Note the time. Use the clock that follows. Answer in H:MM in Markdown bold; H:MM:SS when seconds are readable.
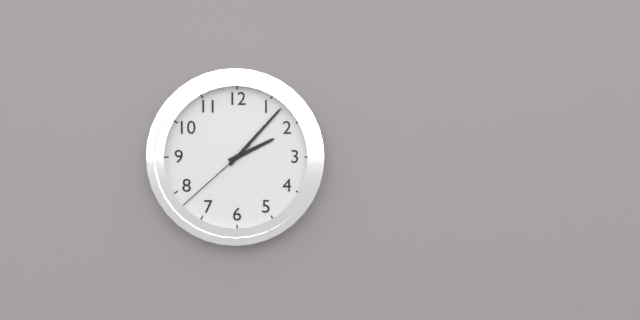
**2:07:38**
